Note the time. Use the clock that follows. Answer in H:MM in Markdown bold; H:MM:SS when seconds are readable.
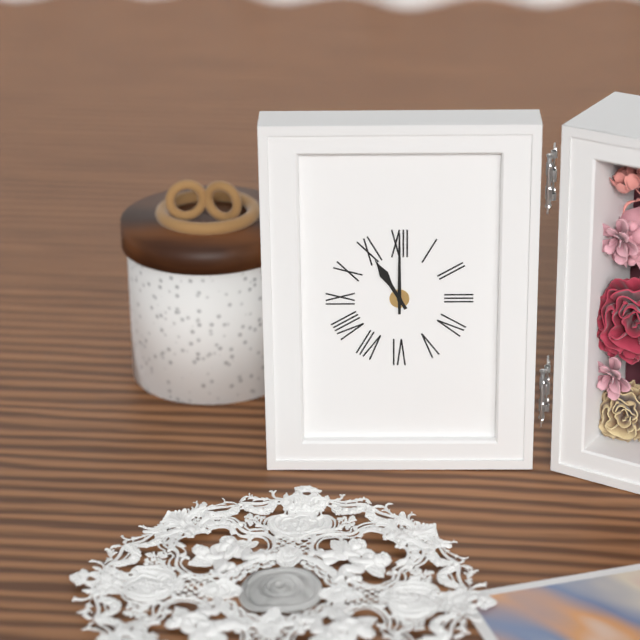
**11:00**
